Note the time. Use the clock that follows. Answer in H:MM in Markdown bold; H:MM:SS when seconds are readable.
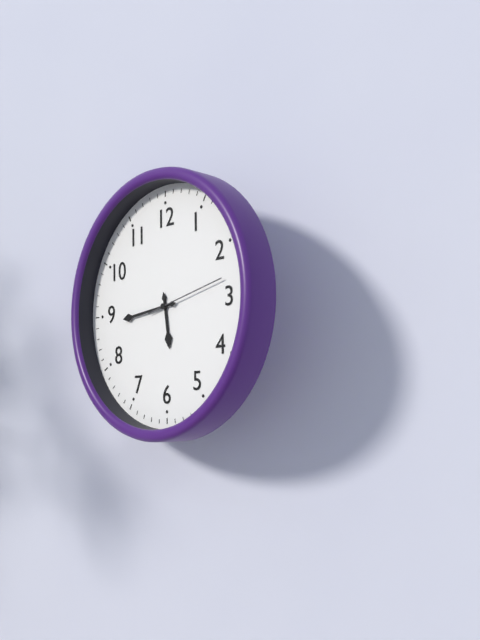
**5:44:13**
